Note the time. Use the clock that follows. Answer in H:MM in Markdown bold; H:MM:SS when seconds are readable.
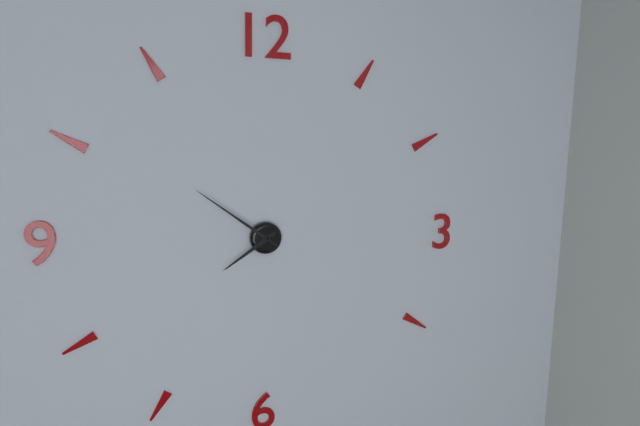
**7:51**
